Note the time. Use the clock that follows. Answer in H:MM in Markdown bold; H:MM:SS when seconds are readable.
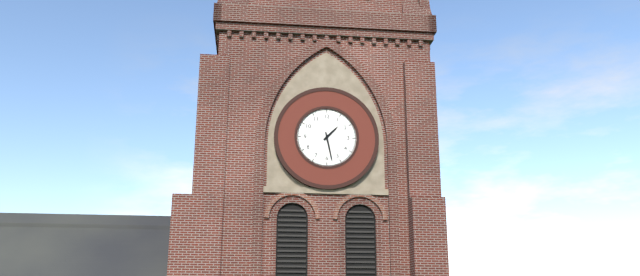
**1:28**
